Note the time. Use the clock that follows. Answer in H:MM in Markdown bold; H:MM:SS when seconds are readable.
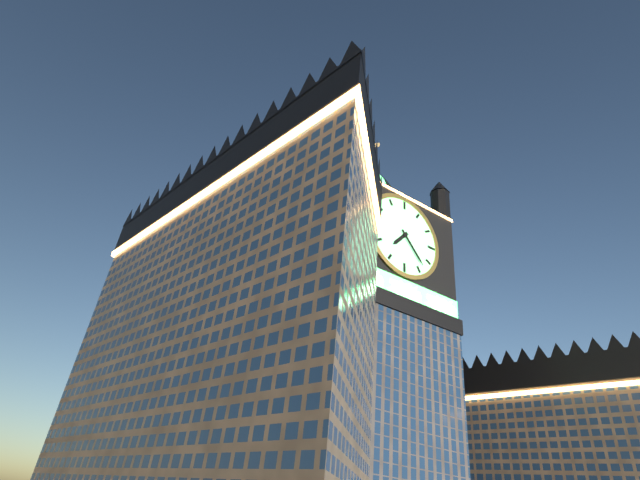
**7:23**
